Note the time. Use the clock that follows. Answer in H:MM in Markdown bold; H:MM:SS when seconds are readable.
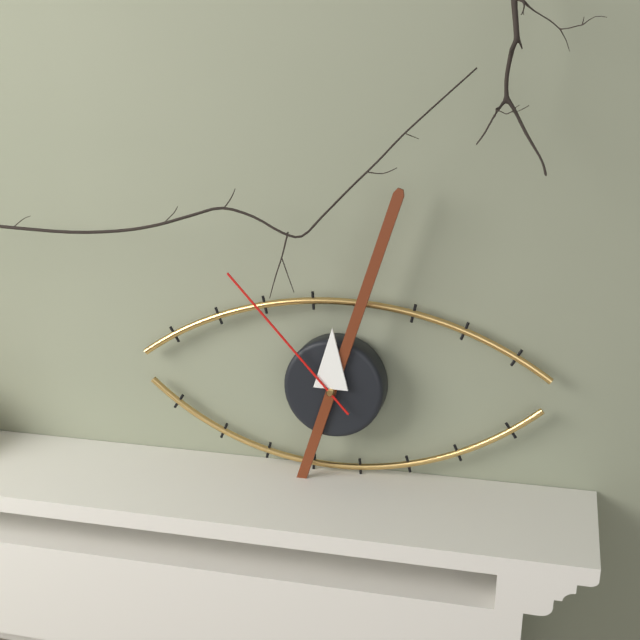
**12:03:53**
